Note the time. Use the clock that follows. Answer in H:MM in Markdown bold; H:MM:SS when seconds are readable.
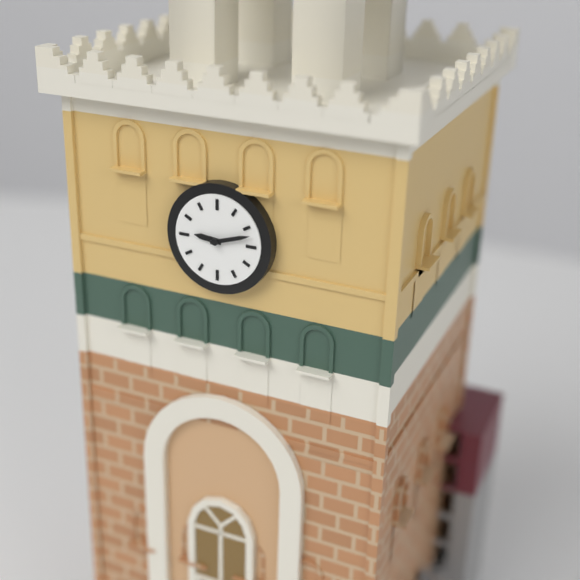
**9:12**
